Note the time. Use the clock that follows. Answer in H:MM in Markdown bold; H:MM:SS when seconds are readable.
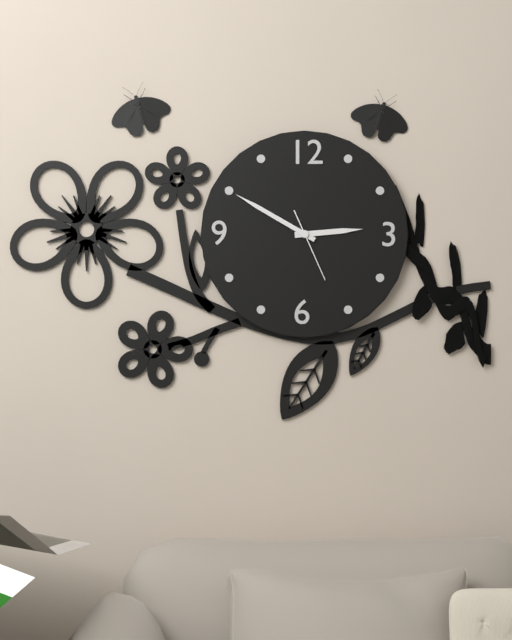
**2:50:26**
